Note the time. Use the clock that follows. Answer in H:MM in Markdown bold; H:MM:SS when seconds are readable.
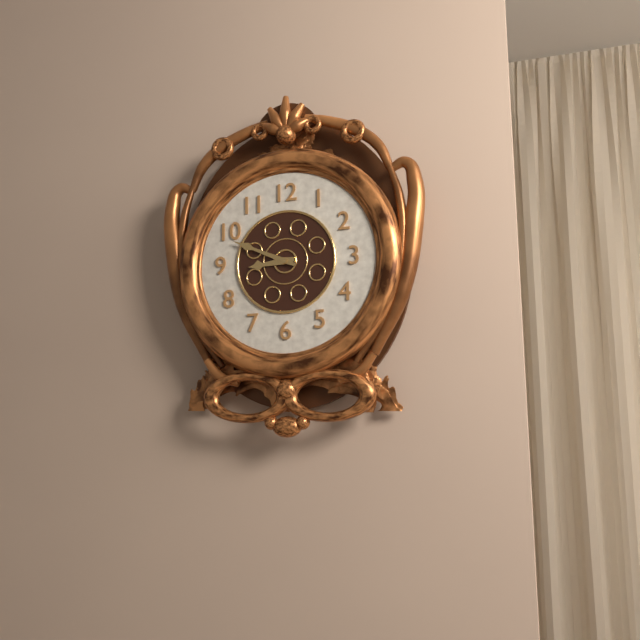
**8:49**
